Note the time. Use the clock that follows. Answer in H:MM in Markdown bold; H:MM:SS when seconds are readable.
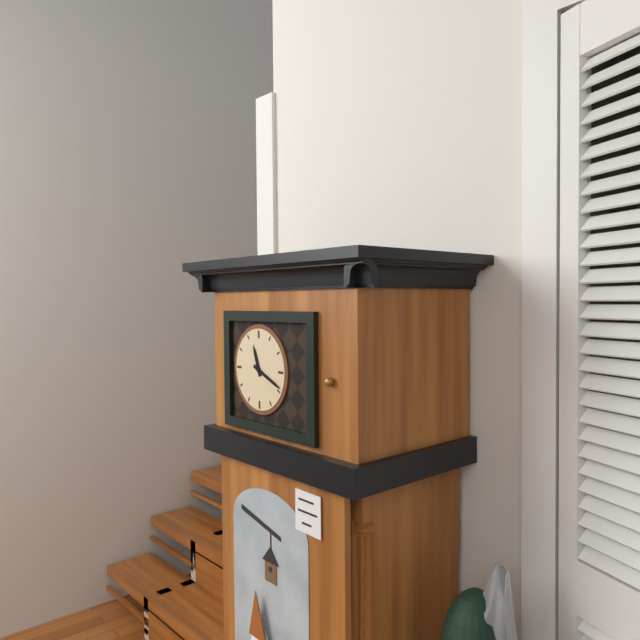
**11:19**
